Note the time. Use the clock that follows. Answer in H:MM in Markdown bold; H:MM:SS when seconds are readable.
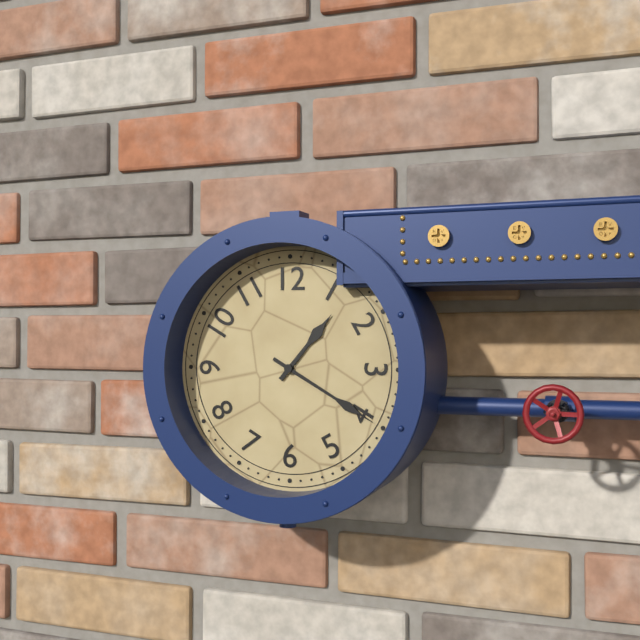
**1:20**
